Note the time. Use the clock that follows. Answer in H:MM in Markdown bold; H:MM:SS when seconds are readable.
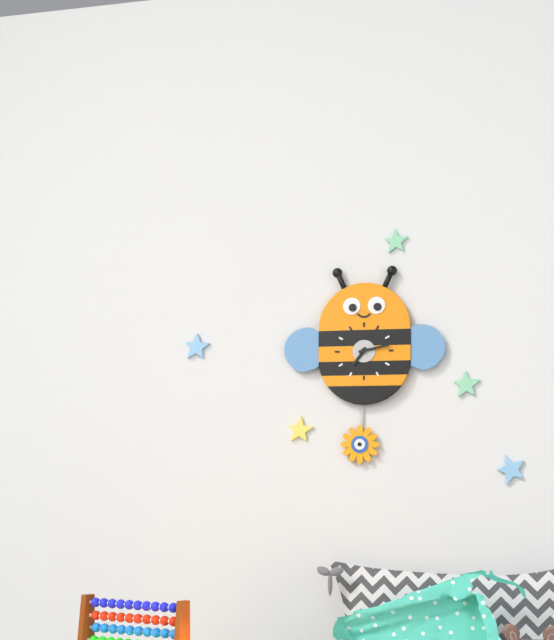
**7:13**
